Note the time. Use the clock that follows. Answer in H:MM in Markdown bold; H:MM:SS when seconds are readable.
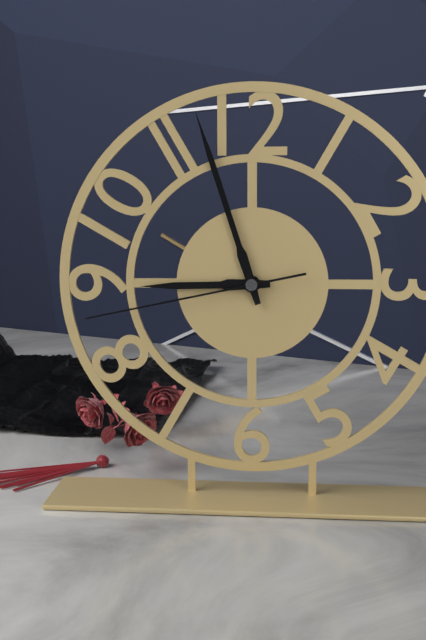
**8:57:43**
